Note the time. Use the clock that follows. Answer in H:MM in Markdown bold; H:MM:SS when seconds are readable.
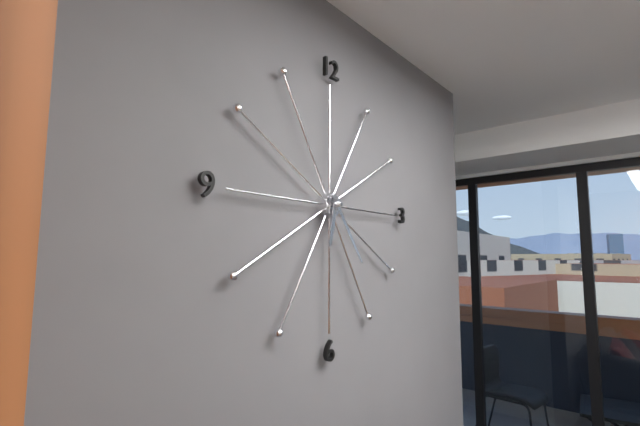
**6:24**
